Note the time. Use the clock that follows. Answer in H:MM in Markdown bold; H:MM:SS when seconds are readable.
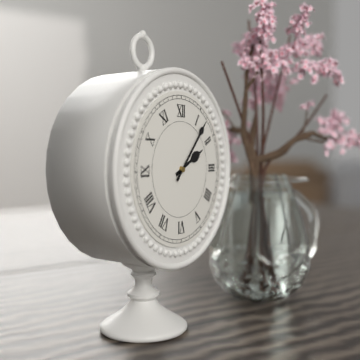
**2:07**
